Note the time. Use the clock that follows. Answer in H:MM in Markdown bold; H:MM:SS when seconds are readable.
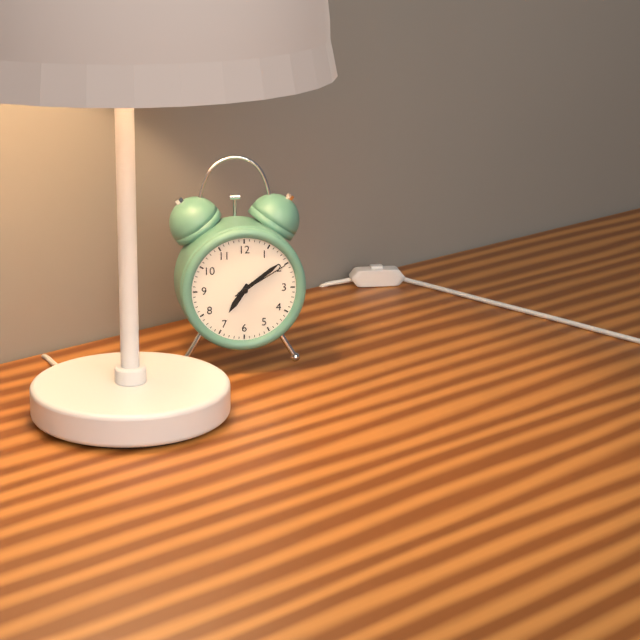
**7:09:10**
